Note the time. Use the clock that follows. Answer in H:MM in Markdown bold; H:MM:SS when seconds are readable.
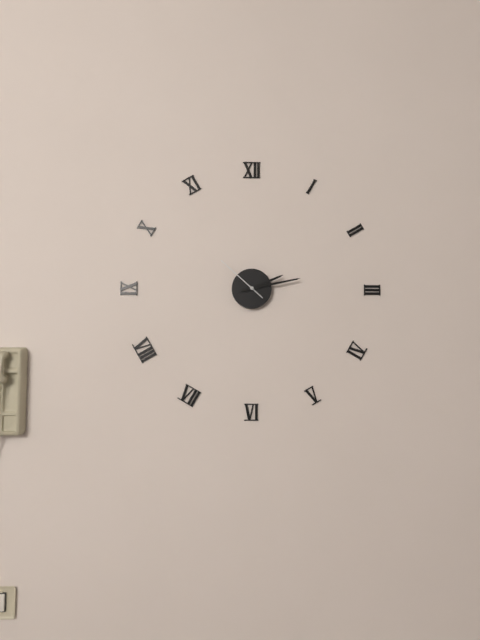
**2:13:52**
